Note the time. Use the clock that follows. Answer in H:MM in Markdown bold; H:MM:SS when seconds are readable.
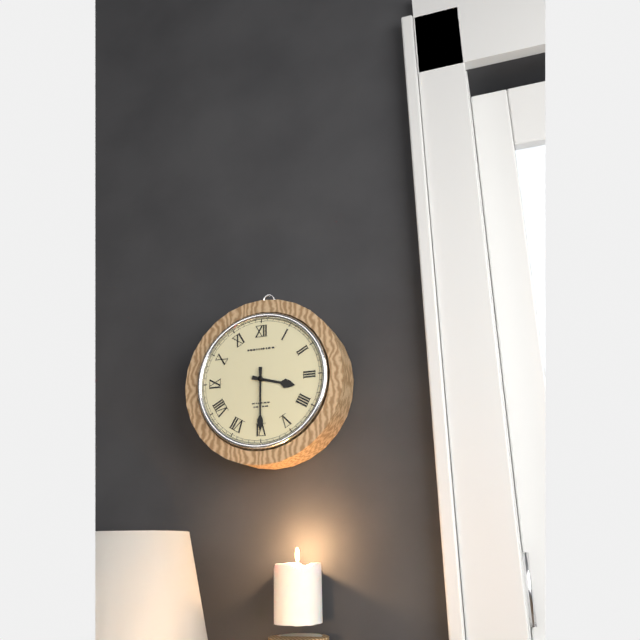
**3:30**
